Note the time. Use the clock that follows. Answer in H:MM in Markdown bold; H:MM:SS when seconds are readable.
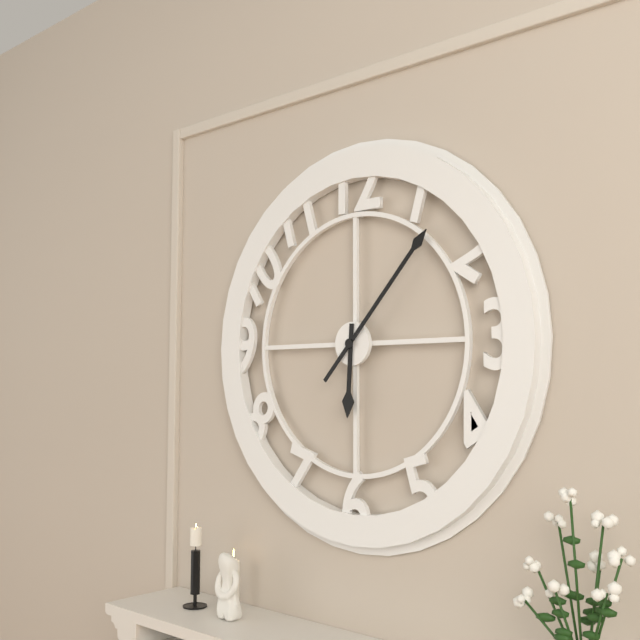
**6:07**
